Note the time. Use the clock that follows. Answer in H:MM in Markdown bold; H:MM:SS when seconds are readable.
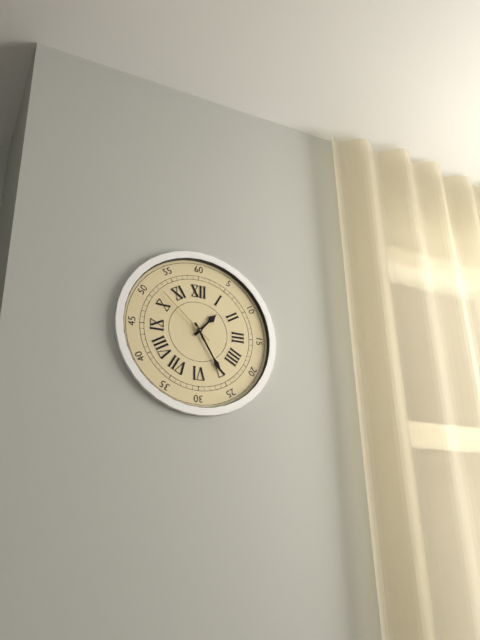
**1:25:52**
